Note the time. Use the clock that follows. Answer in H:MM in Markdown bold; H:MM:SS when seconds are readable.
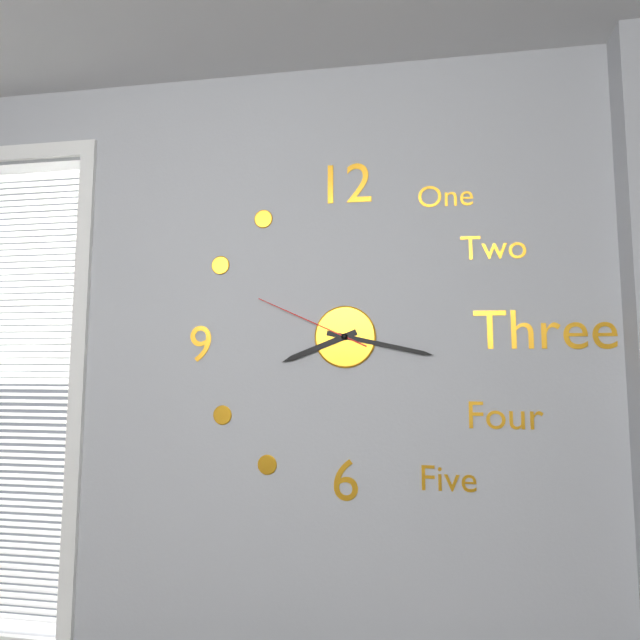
**8:17:49**
